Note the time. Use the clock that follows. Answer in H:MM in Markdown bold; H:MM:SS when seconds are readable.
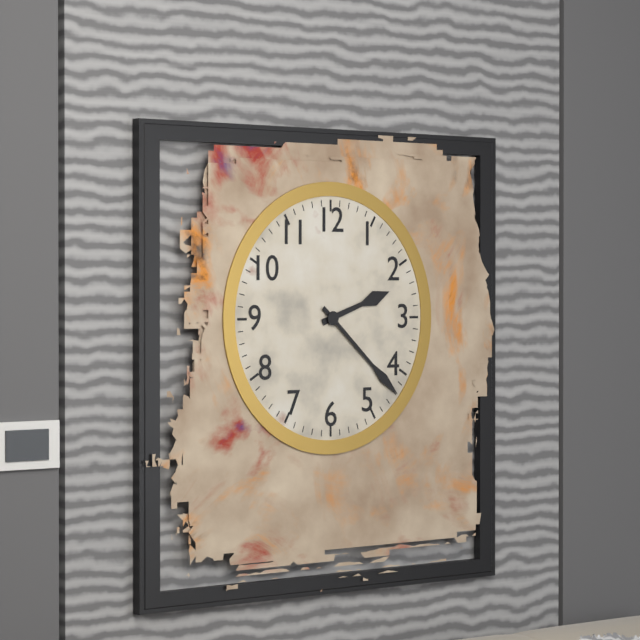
**2:22**
